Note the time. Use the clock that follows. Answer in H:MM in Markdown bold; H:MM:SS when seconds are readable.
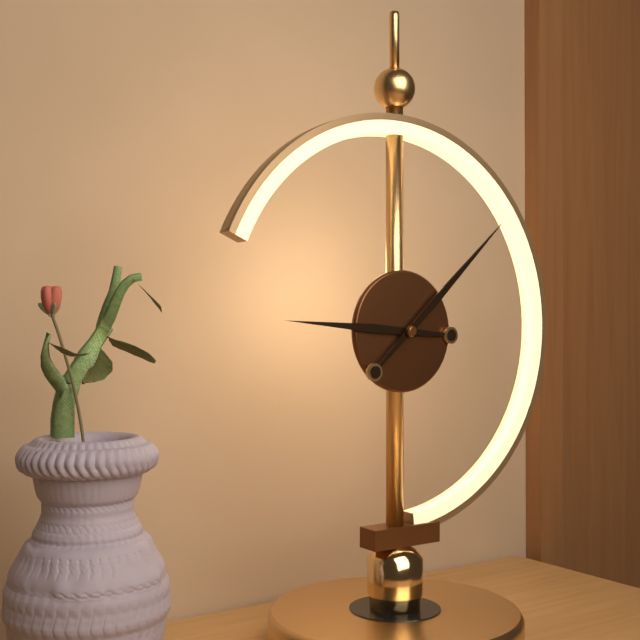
**9:08**
